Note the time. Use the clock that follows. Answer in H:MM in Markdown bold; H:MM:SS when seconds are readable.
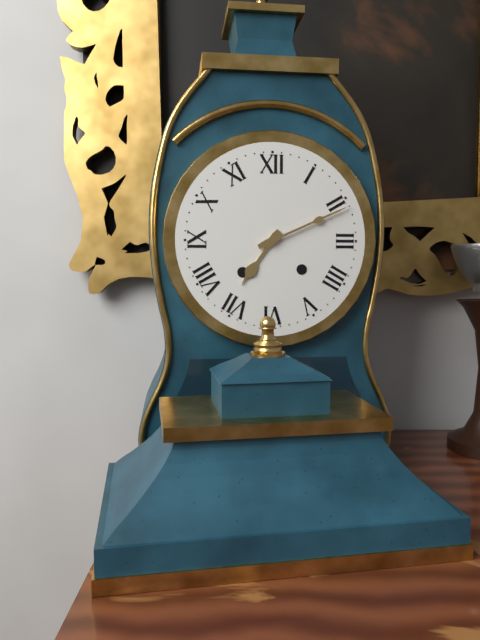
**7:11**
